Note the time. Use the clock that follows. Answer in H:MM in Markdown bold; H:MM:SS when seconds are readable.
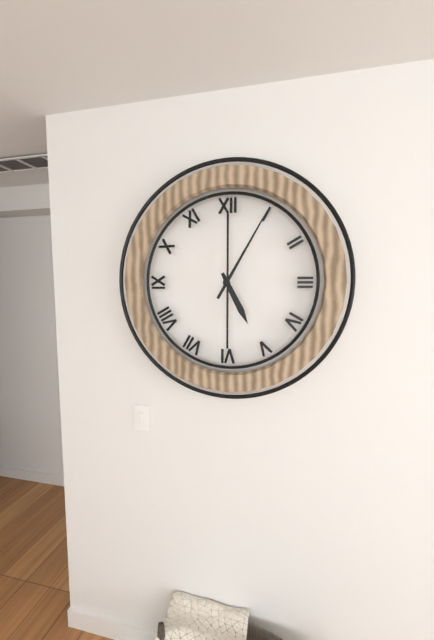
**5:05**
